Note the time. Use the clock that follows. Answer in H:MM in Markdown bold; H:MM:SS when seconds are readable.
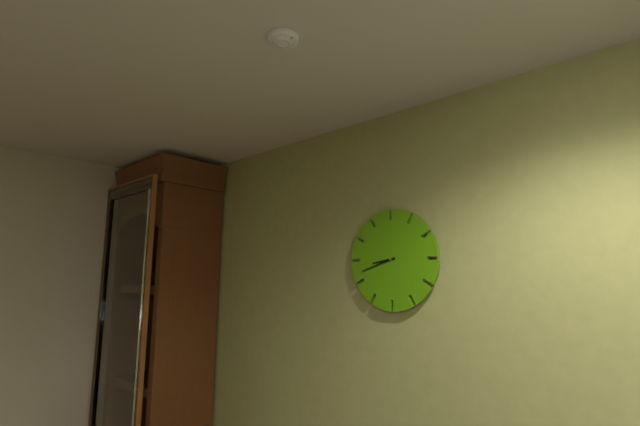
**8:42**
